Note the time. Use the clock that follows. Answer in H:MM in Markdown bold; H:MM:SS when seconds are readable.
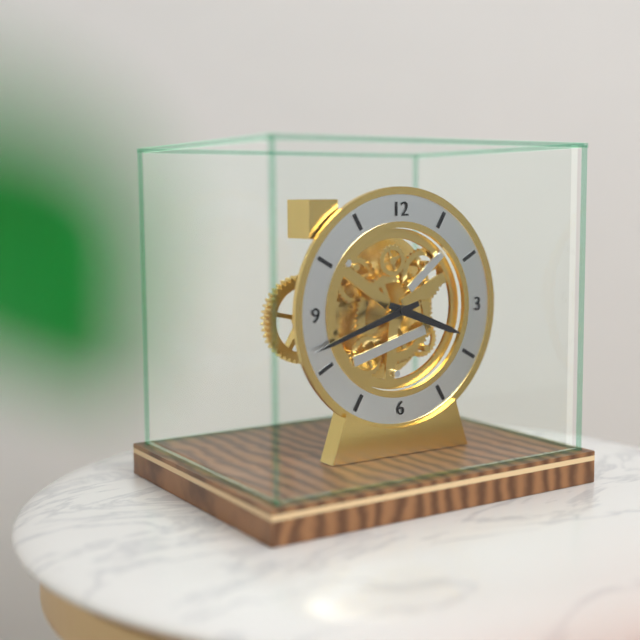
**3:42**
